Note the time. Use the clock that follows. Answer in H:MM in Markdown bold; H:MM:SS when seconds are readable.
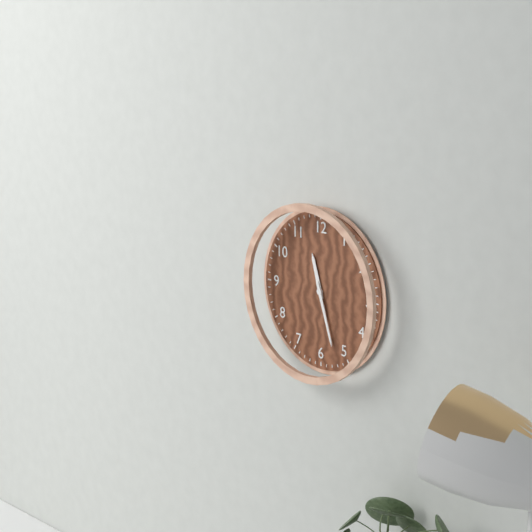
**11:27**
